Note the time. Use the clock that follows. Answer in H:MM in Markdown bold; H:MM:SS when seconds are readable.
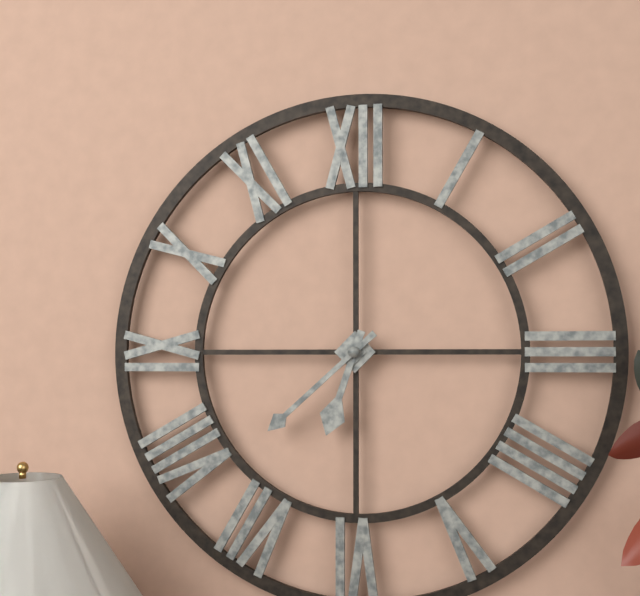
**6:38**
